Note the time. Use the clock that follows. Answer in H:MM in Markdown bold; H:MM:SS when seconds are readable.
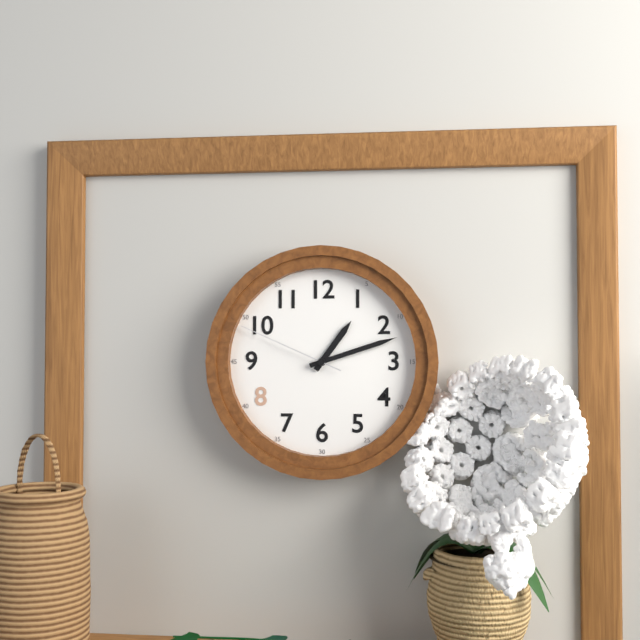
**1:12:49**
